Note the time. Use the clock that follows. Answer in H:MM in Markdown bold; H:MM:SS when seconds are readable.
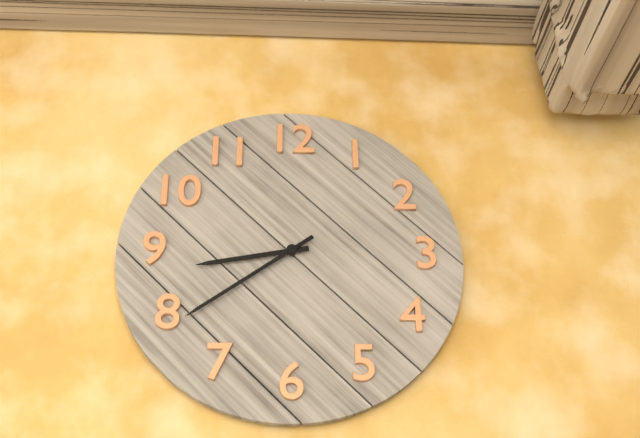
**8:39**
